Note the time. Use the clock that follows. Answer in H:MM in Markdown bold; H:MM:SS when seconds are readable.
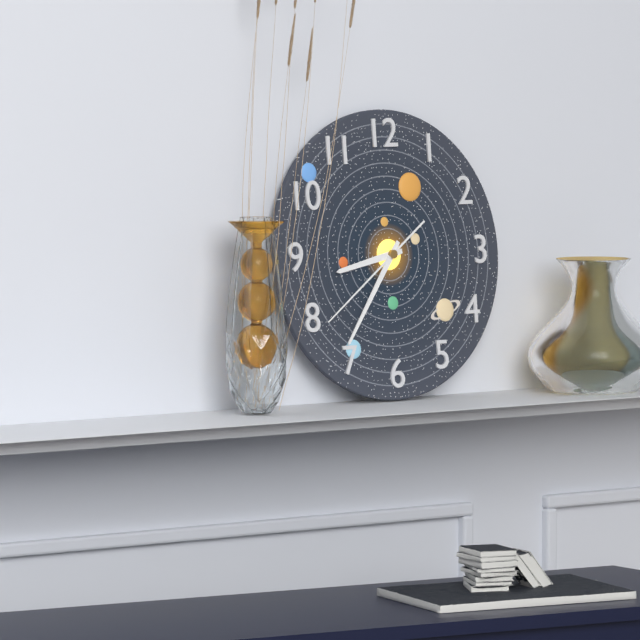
**8:36:39**
